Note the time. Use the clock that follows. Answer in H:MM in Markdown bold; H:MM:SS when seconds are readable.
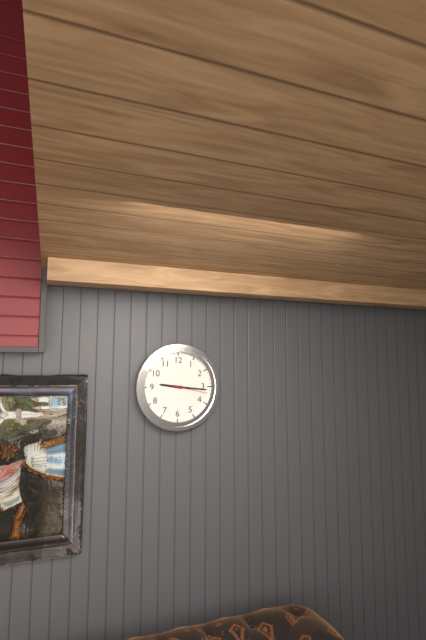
**9:16**
